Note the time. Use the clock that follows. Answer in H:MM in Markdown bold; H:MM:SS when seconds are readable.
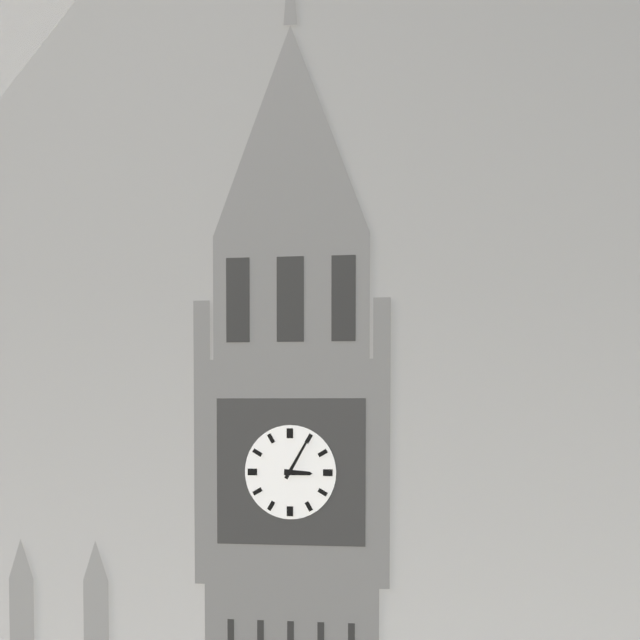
**3:05**
